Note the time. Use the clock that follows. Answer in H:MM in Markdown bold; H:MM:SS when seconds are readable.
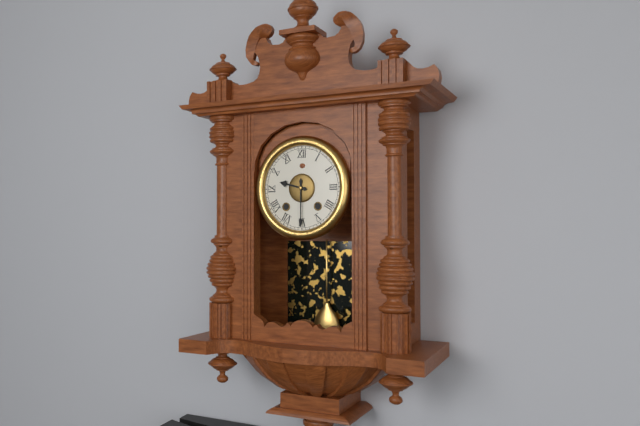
**9:30**
